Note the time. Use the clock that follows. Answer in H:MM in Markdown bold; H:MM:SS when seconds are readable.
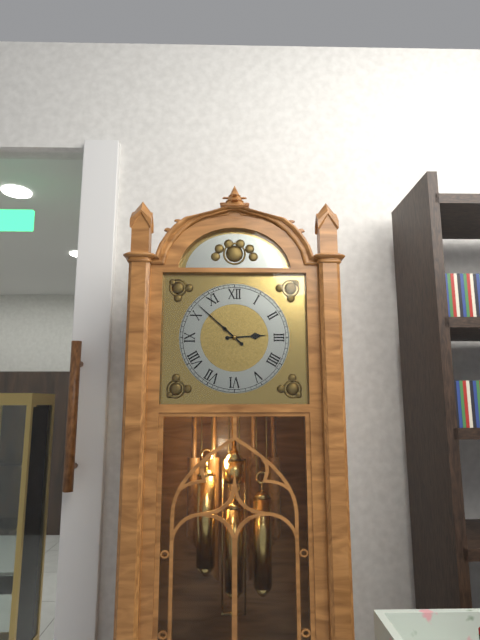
**2:52**
